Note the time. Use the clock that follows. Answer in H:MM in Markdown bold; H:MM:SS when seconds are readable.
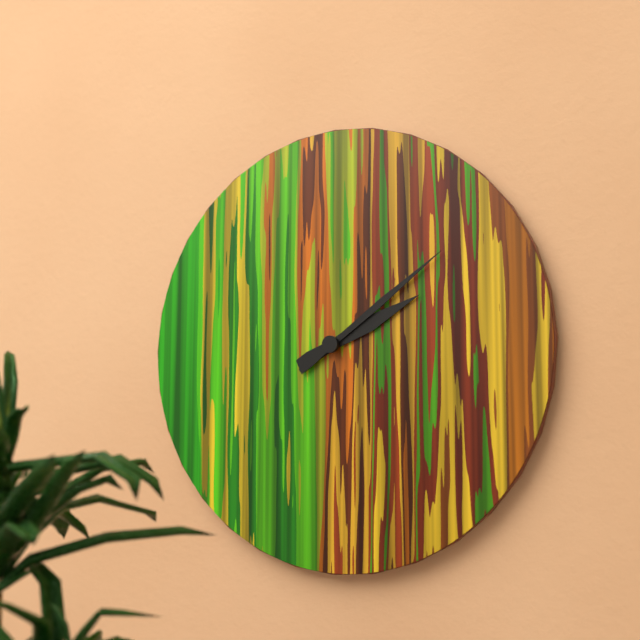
**2:09**
